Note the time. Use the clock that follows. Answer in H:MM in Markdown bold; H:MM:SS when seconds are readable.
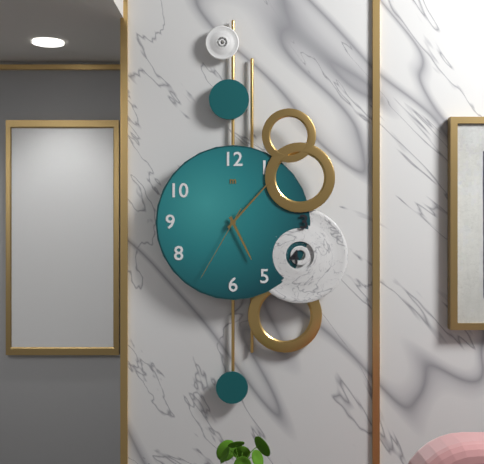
**5:07:35**
